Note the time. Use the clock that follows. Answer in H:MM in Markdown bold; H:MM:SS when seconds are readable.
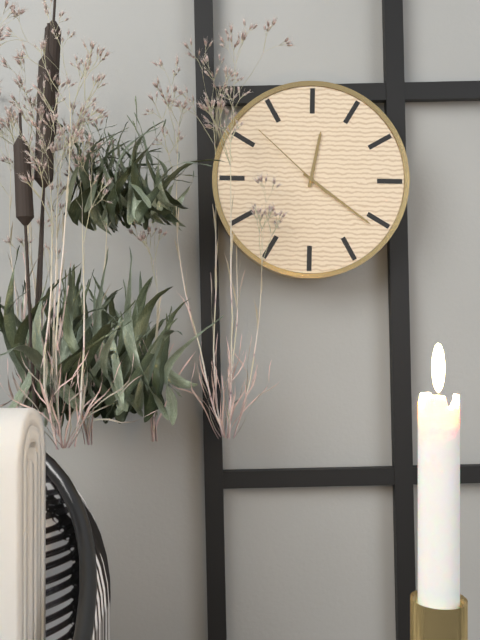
**12:21:52**
